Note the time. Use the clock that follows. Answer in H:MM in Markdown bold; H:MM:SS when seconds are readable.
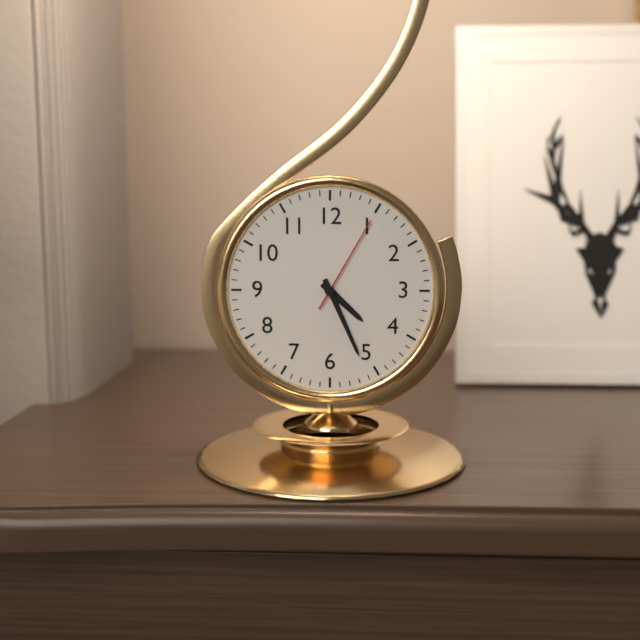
**4:26:05**
